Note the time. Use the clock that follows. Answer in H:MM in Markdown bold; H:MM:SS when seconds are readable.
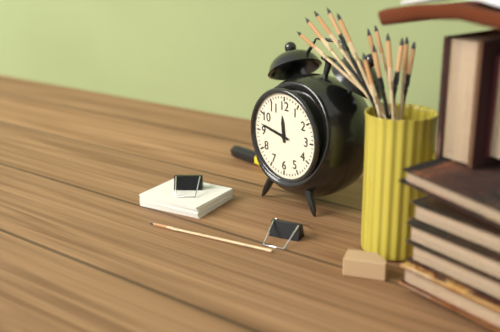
**11:47**
